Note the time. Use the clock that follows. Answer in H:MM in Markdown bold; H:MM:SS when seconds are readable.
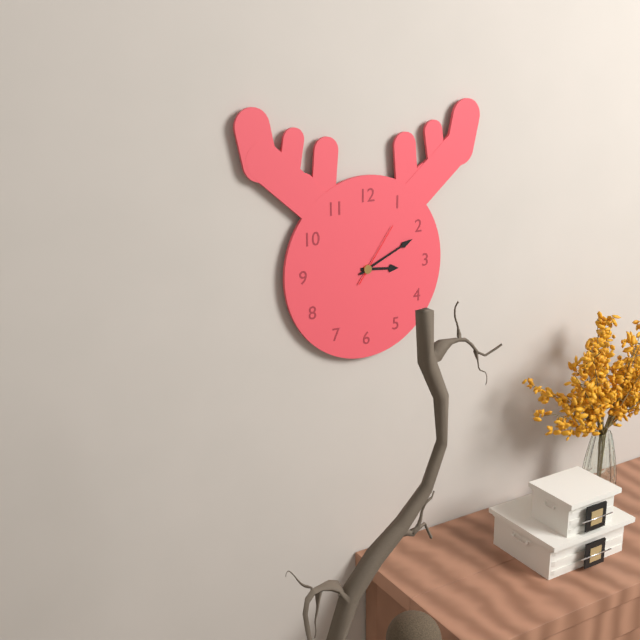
**3:11:06**
